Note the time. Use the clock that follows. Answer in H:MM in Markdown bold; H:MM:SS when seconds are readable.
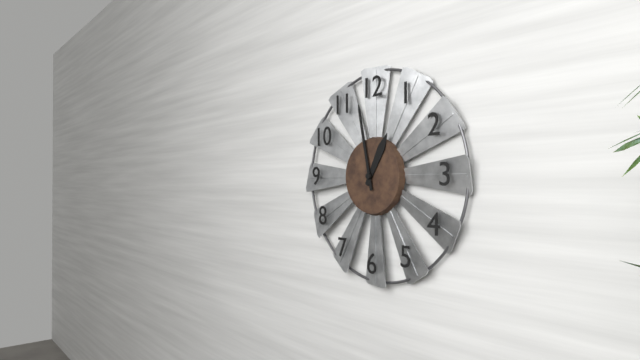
**12:58**
